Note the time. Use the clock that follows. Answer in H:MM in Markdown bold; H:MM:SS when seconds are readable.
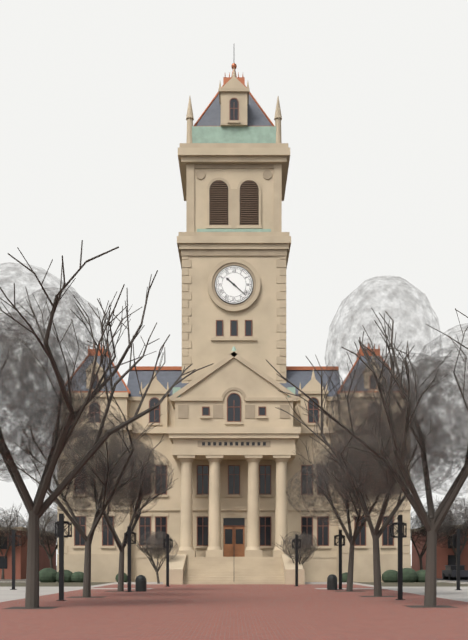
**10:22**
